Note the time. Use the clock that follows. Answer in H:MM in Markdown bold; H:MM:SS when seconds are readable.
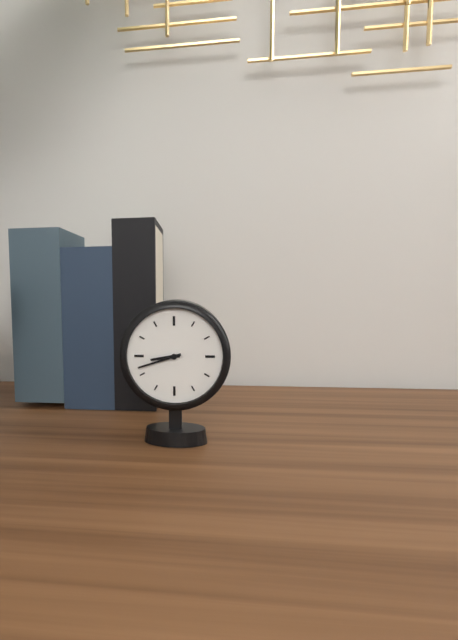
**8:42**
